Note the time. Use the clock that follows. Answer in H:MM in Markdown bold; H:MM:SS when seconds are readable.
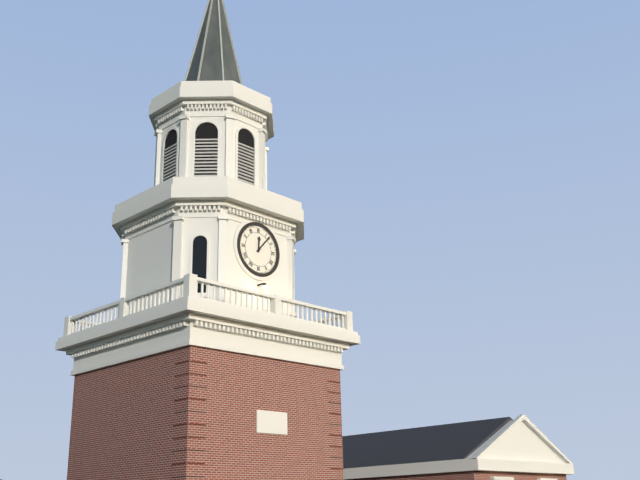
**12:07**
